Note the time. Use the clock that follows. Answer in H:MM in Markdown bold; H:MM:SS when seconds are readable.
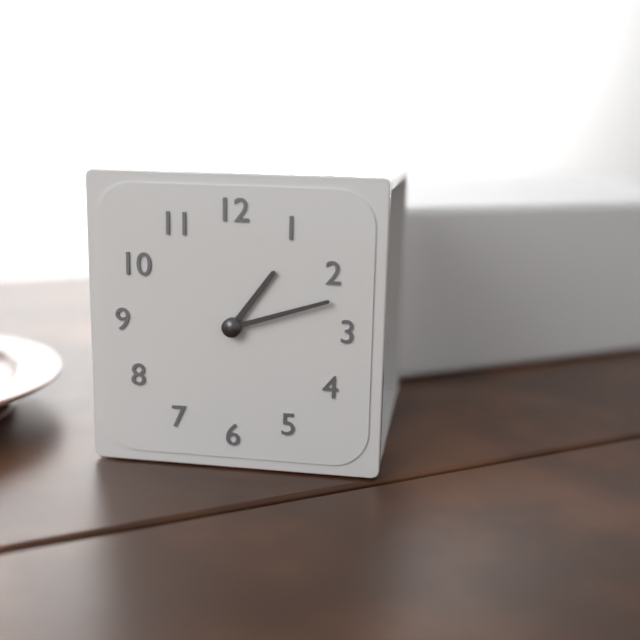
**1:12**
